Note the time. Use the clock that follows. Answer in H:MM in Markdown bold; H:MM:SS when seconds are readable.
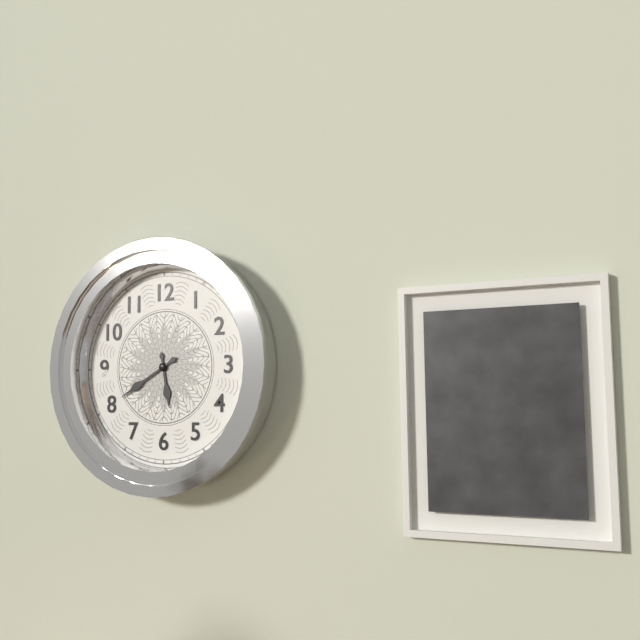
**5:40**
